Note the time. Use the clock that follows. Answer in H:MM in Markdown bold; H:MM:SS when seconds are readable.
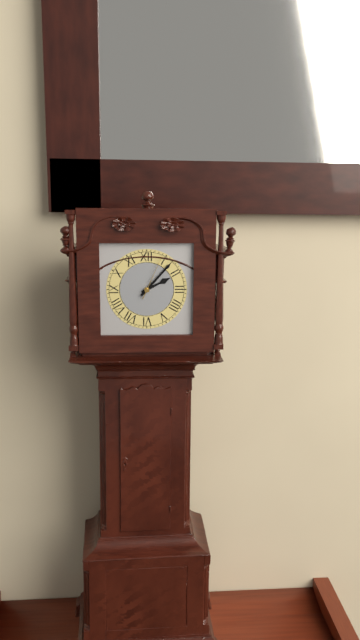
**2:07**
